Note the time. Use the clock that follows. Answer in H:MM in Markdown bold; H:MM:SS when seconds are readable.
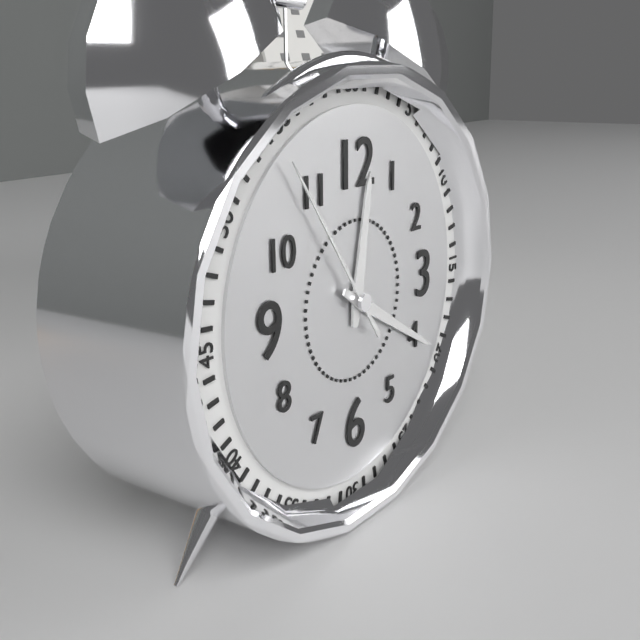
**12:20:54**
